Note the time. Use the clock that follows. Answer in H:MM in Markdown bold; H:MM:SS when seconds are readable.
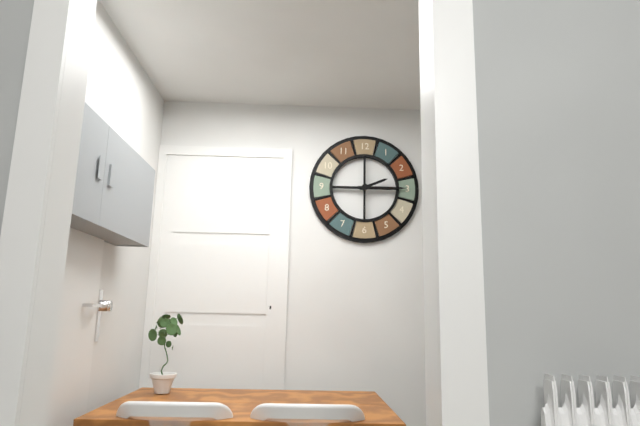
**2:15**
